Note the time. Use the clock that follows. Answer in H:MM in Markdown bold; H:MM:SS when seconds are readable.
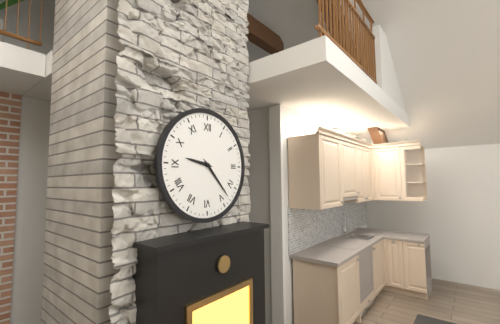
**9:23**
